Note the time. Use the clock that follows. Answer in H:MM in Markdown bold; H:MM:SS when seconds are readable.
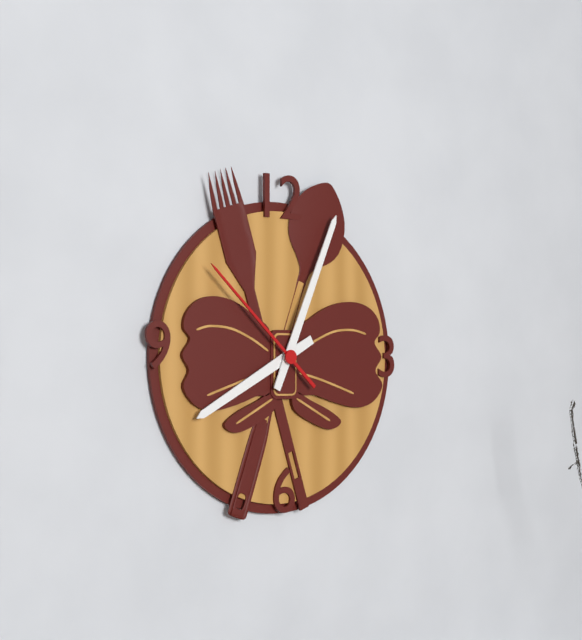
**8:04:52**
